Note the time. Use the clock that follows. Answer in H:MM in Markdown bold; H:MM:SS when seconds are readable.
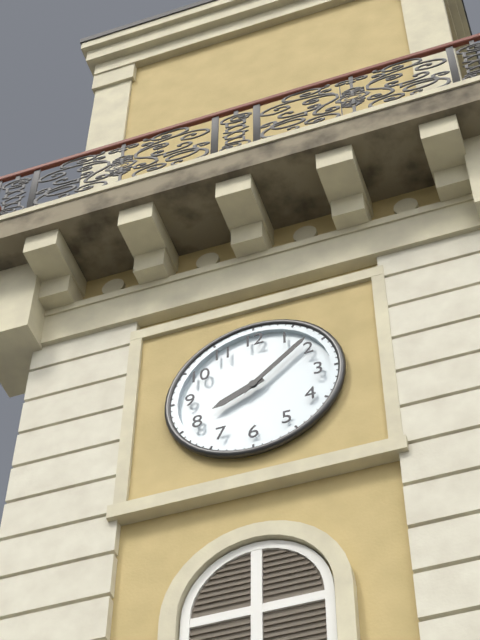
**8:08**
